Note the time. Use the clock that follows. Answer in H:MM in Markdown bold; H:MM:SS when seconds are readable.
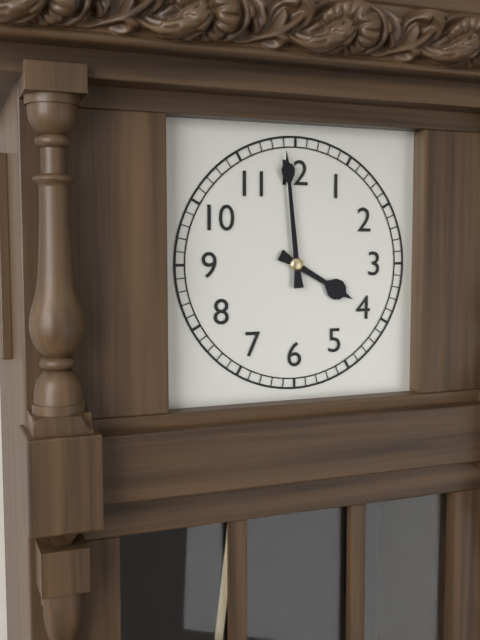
**3:59**
